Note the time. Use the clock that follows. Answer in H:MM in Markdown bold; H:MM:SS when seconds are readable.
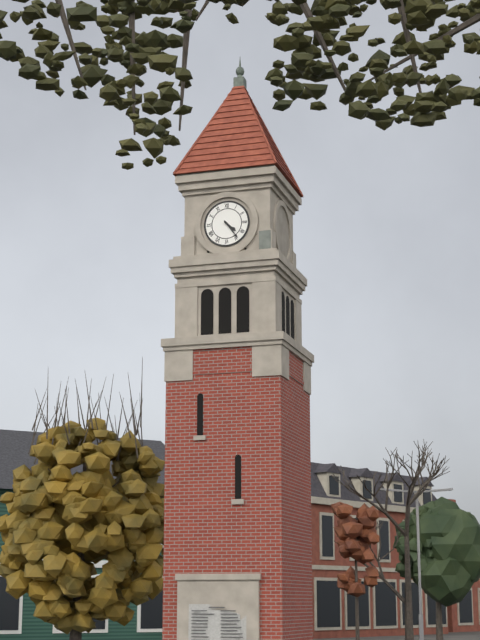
**4:24**
